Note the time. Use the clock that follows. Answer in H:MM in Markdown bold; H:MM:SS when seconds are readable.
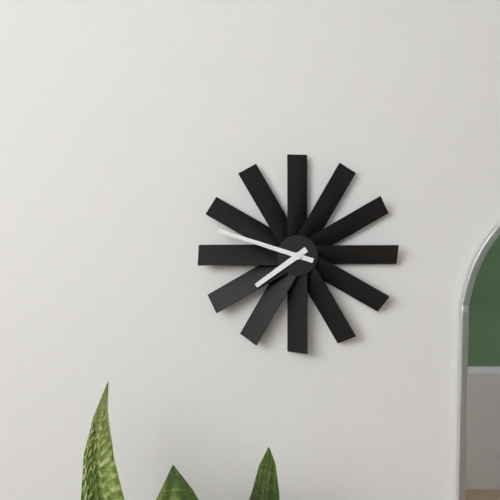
**7:48**
